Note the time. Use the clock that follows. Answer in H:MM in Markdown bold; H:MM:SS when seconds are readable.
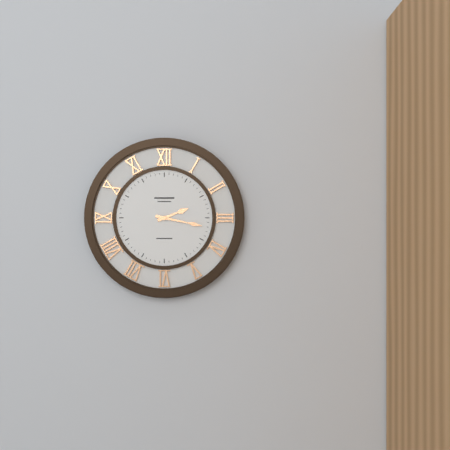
**2:17**
